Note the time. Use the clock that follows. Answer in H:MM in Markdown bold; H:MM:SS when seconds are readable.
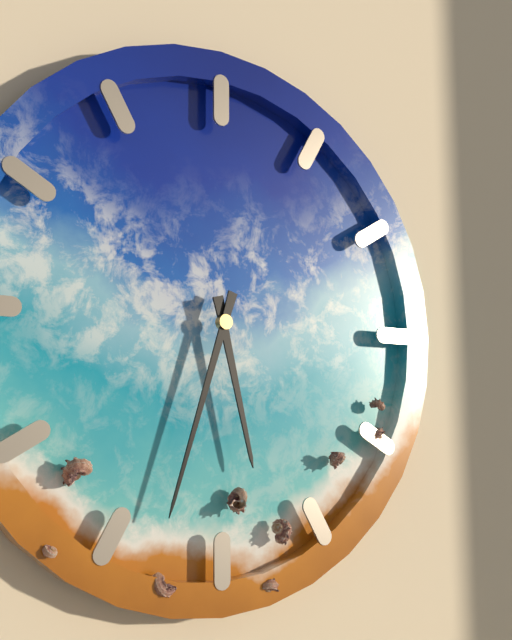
**5:33**
